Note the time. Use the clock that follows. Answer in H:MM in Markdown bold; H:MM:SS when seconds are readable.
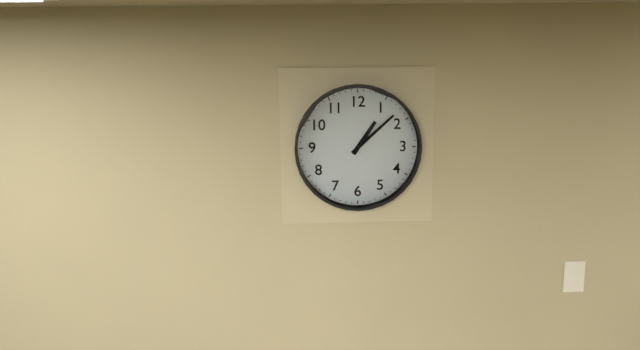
**1:08**
